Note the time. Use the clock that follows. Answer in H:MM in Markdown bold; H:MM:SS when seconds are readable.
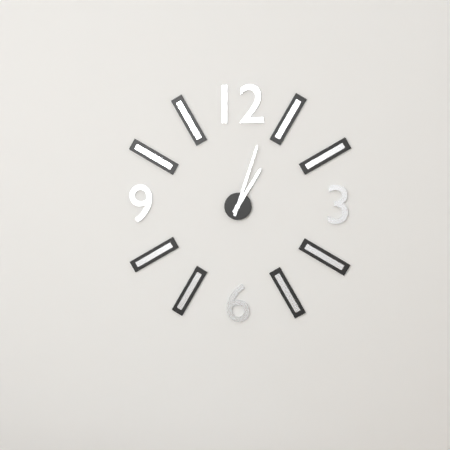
**1:03**
